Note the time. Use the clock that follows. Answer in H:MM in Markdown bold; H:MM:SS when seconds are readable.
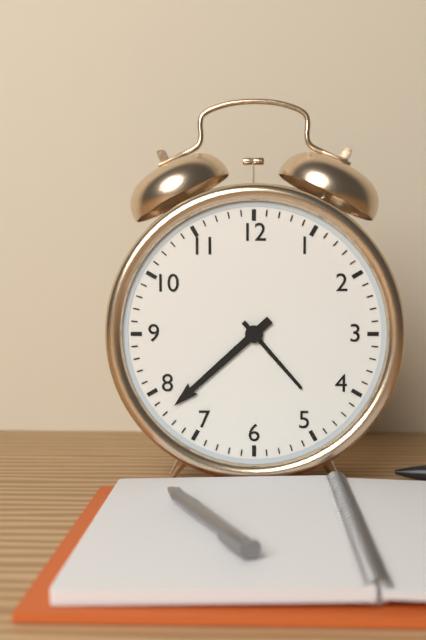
**4:38**
